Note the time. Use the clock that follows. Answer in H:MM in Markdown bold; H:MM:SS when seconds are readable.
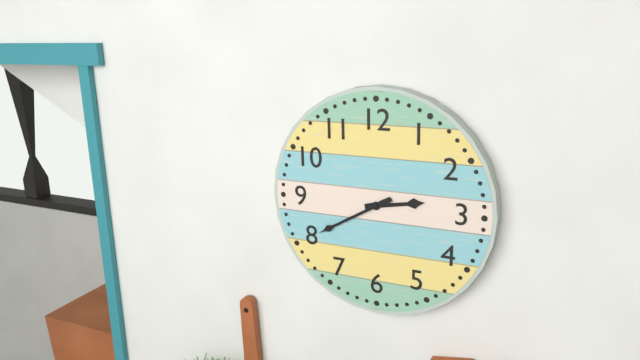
**2:40**
